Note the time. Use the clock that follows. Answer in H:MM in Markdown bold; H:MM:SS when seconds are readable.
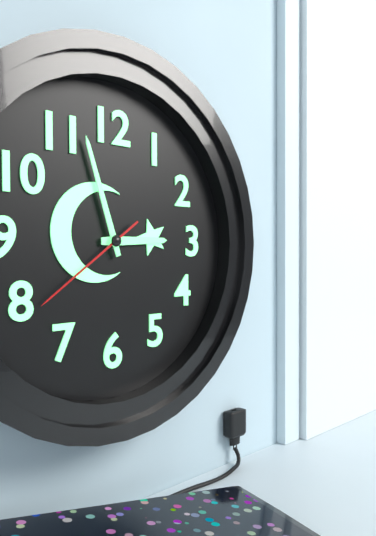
**2:57:39**
